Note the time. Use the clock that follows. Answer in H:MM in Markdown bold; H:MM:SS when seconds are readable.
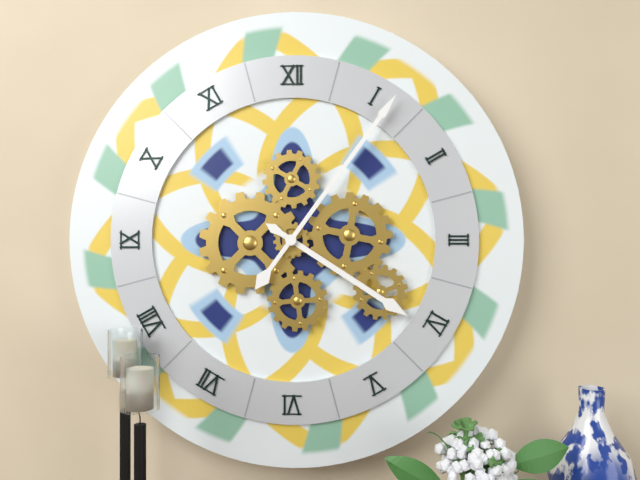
**4:06**
